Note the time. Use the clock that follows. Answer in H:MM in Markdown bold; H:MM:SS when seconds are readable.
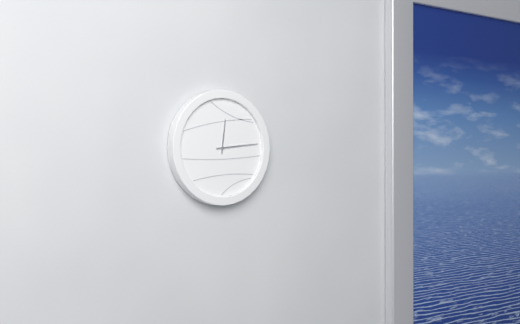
**12:14**
